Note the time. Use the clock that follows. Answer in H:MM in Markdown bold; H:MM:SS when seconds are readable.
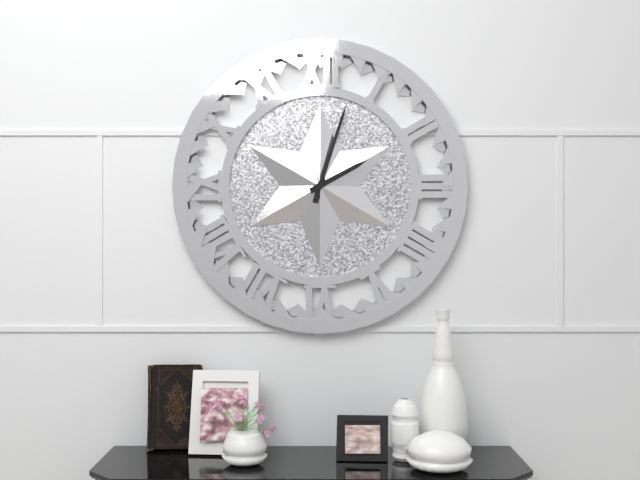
**2:03**
